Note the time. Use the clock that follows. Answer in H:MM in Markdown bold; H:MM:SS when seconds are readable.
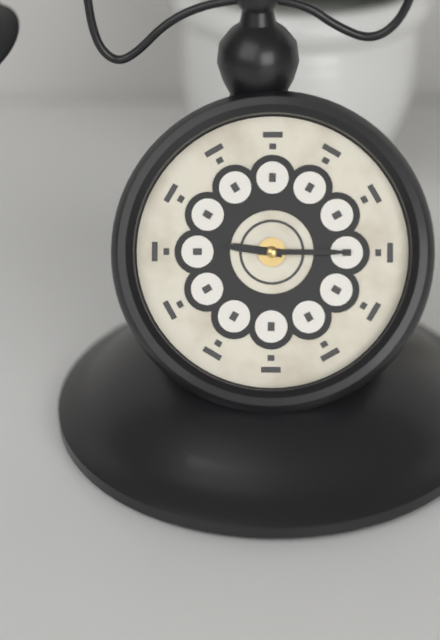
**9:15**
